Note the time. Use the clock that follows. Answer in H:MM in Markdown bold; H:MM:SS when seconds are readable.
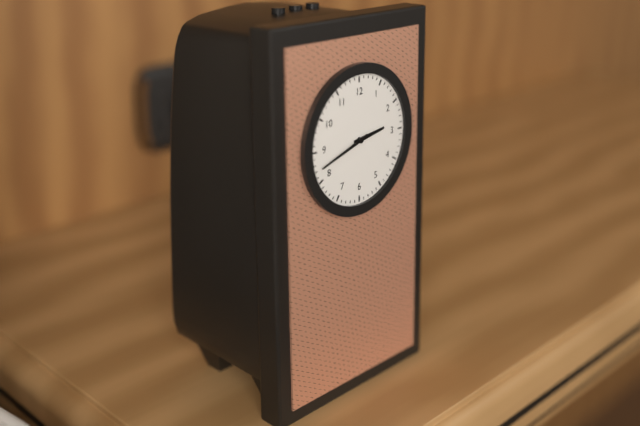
**2:42**
